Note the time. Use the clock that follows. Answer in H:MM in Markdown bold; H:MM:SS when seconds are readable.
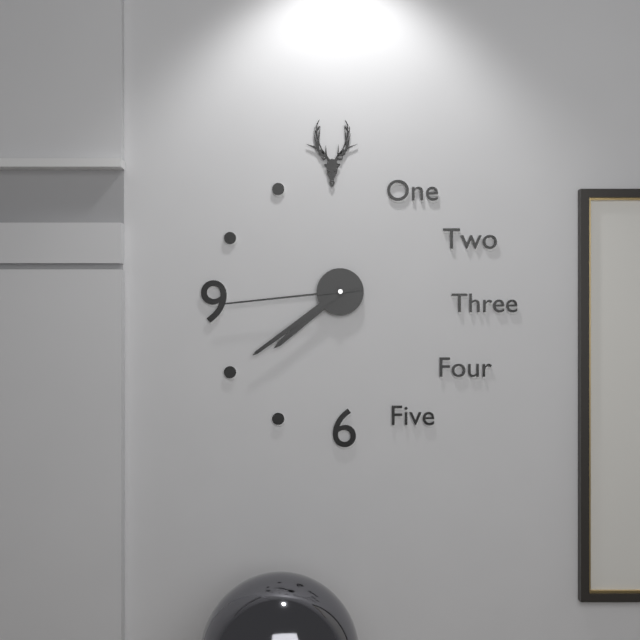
**7:39:44**
